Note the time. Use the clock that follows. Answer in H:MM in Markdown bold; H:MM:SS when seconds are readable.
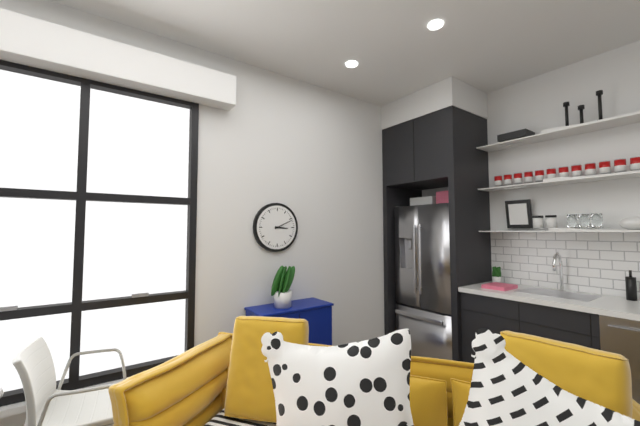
**3:11**
